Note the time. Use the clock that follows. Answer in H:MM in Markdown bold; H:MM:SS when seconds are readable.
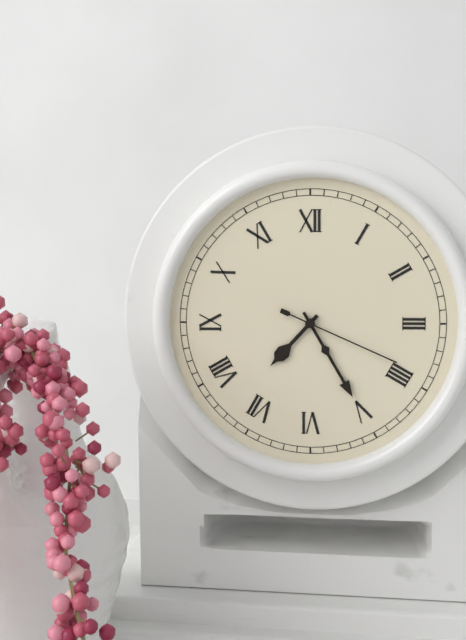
**7:25:19**
